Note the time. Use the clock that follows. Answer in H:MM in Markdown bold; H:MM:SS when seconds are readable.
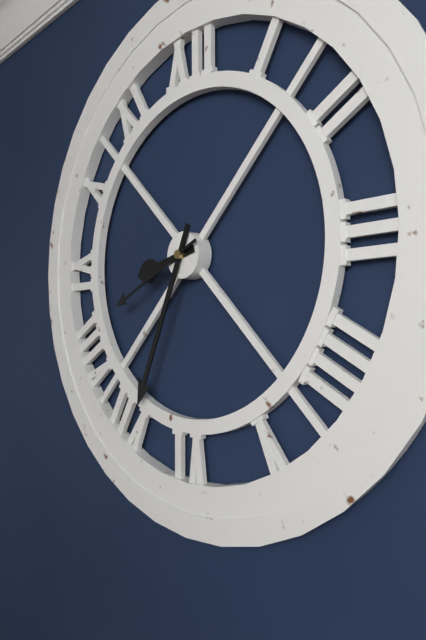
**8:34:41**
